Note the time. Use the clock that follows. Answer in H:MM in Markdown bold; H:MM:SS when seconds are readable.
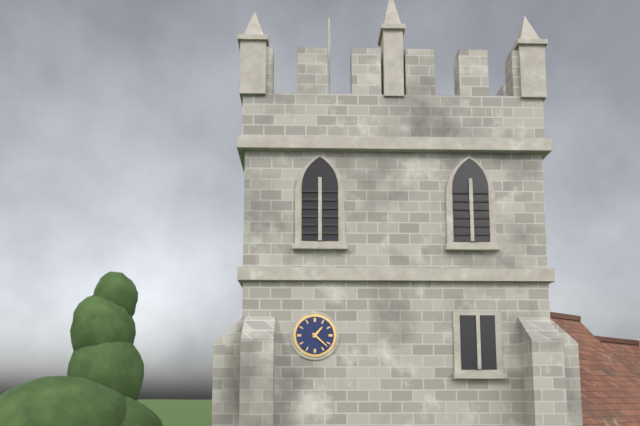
**1:22**
